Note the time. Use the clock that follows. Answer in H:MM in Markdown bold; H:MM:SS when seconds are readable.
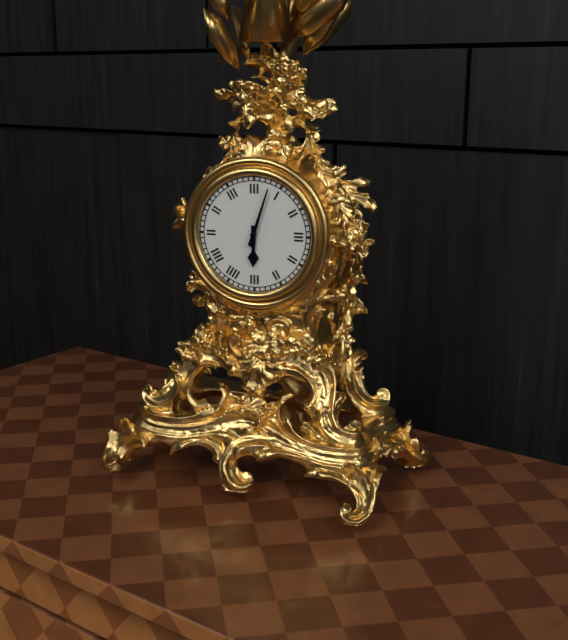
**6:03**
